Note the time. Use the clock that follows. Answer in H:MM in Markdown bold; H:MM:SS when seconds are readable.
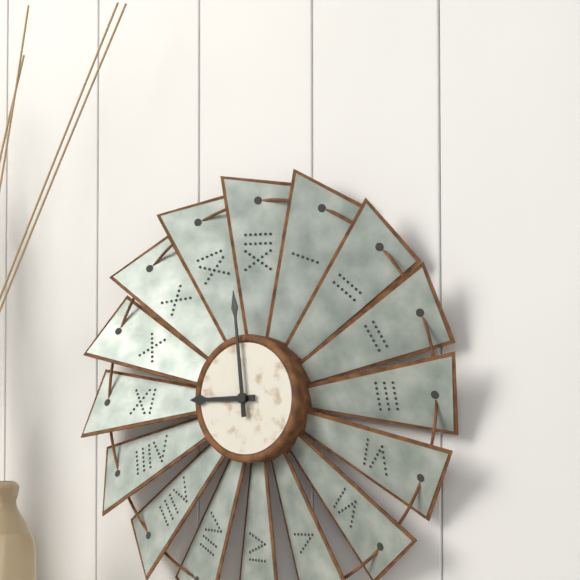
**8:59**
